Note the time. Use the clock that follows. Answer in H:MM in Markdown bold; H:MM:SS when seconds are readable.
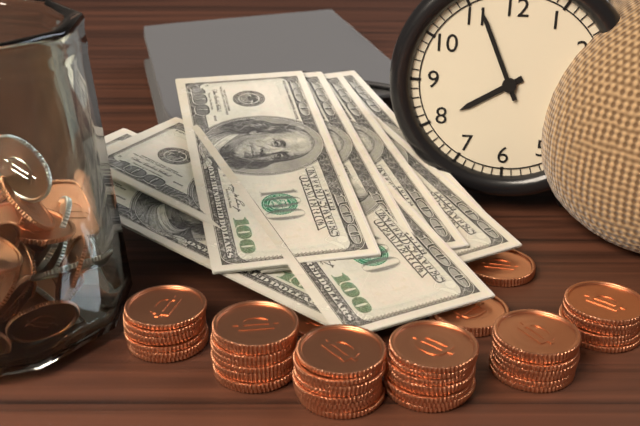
**7:56**
